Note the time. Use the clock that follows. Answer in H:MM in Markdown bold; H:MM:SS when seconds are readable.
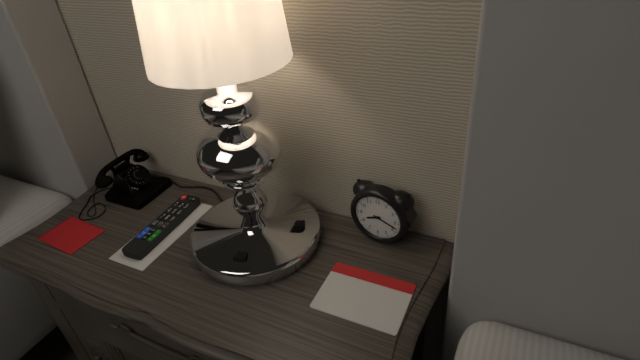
**8:18**
